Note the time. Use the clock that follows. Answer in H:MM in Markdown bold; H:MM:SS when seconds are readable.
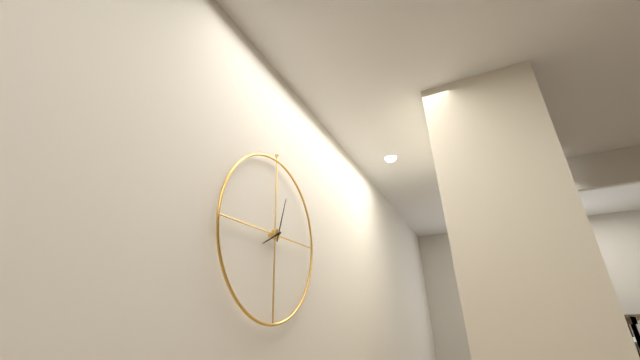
**8:03**
